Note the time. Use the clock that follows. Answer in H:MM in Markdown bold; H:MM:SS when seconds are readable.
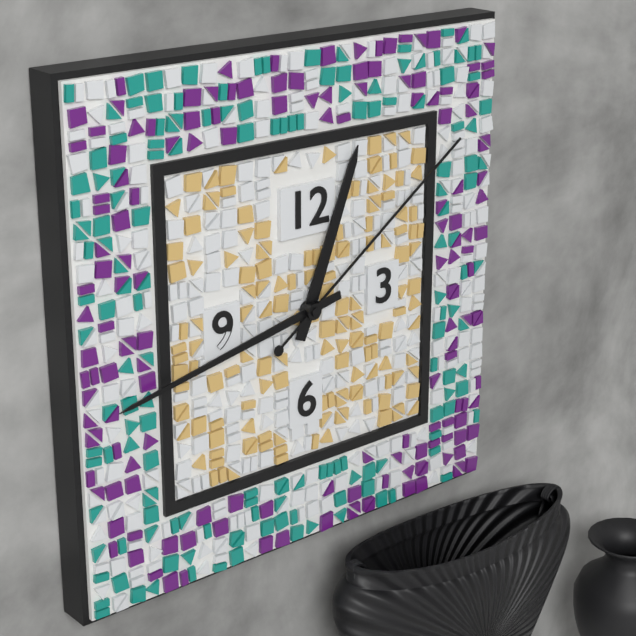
**12:43:09**
